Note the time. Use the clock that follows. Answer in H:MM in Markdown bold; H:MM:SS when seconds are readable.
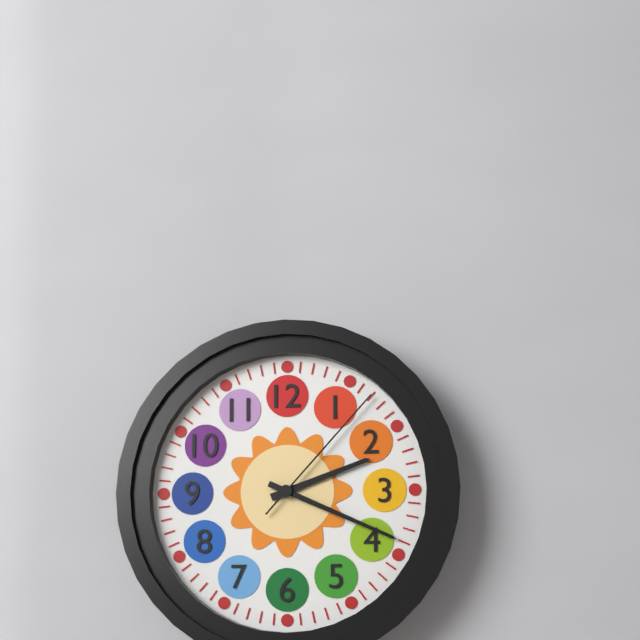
**2:19:07**
